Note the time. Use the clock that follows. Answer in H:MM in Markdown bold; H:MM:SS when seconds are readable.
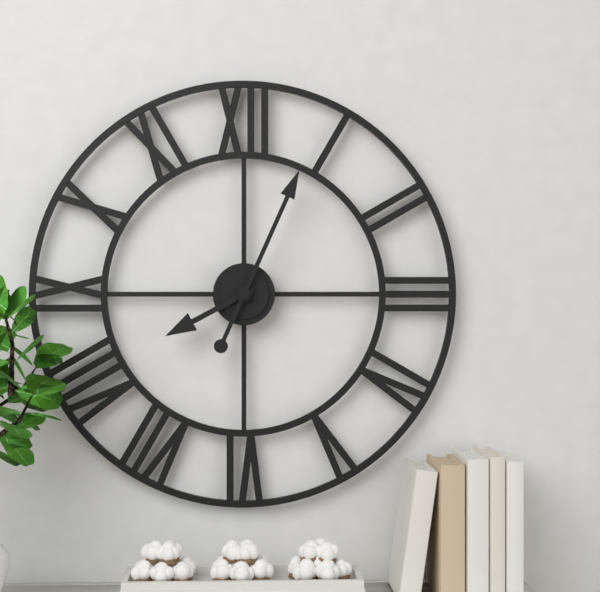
**8:04**
